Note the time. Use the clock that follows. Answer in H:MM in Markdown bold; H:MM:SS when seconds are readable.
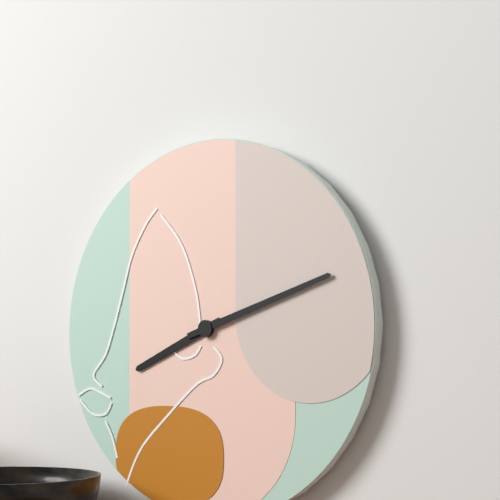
**8:12**
